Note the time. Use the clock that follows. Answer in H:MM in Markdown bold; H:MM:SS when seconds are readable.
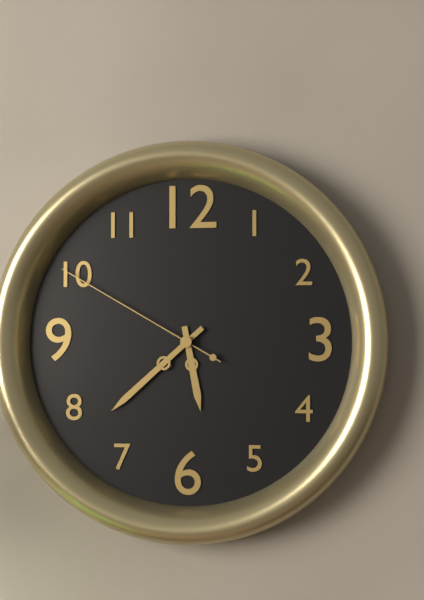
**5:38:50**
